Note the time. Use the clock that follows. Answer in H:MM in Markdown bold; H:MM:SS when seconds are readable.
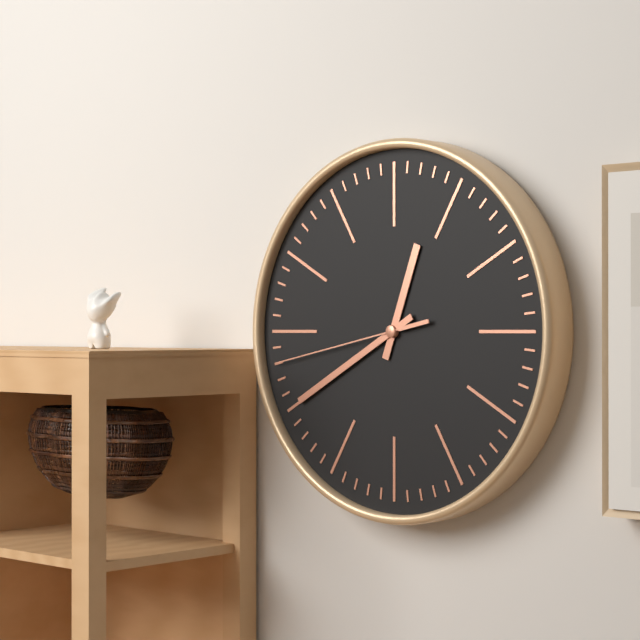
**12:40:43**
